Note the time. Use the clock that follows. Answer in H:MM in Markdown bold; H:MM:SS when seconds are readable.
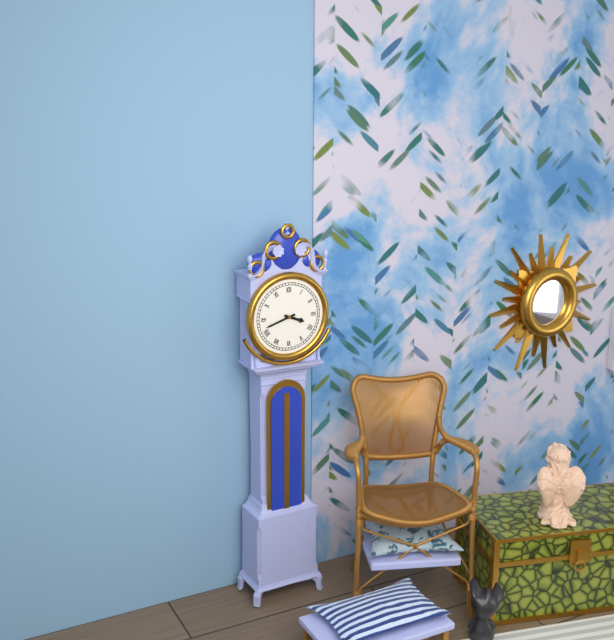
**3:42**
